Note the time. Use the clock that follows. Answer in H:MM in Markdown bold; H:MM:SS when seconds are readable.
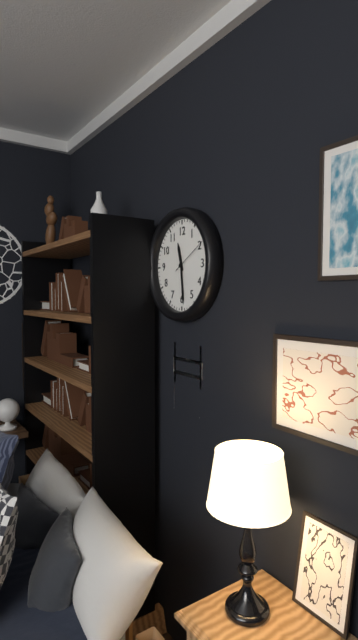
**11:29**
